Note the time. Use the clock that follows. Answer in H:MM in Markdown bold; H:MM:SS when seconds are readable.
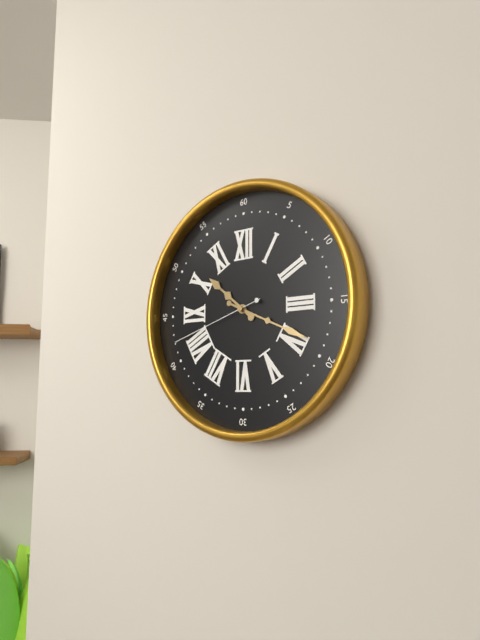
**10:19:42**
